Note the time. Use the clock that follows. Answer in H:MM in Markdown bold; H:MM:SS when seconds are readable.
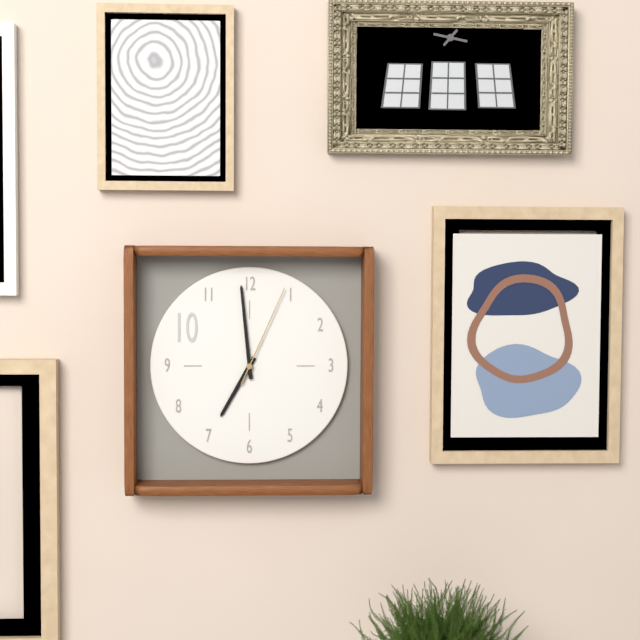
**6:59:04**
